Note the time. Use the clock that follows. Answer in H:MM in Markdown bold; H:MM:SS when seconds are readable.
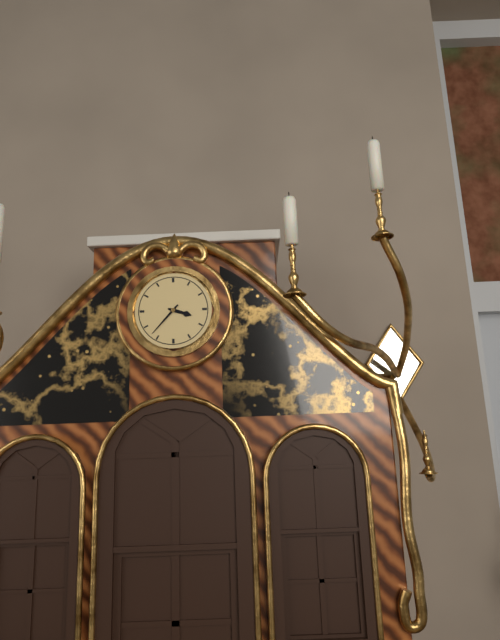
**3:37**
